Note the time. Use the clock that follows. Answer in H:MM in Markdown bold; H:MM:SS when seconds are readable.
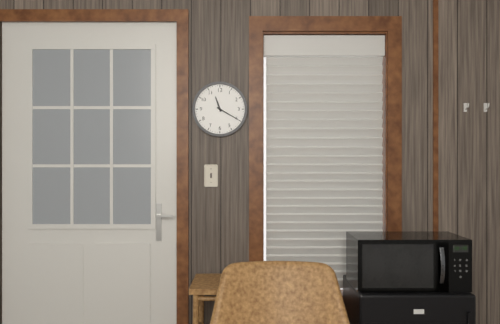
**11:20**
